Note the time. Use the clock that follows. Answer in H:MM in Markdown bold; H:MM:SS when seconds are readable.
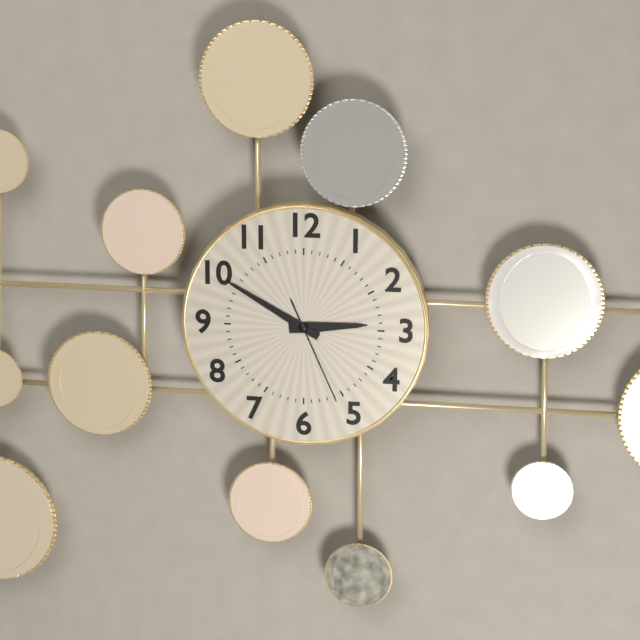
**2:50:26**
